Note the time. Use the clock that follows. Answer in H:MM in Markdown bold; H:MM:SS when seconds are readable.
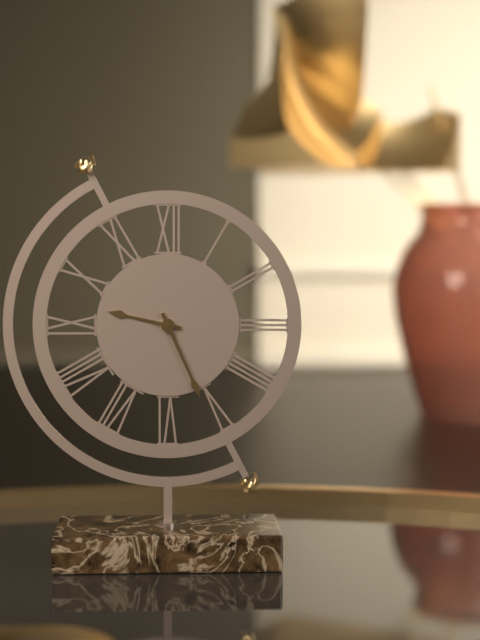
**9:26**
